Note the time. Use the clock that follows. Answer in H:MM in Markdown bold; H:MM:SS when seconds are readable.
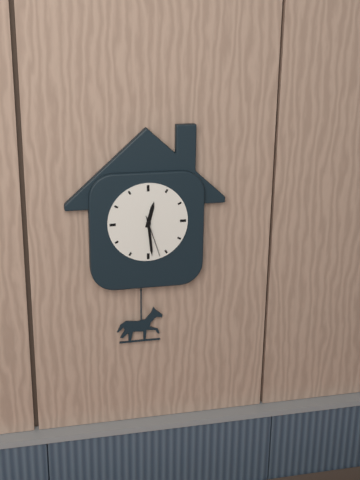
**12:29**
